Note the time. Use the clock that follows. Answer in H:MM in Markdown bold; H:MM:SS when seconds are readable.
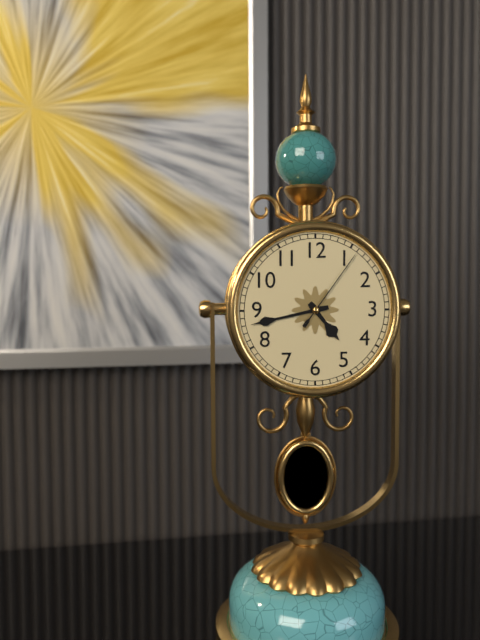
**4:43:06**
